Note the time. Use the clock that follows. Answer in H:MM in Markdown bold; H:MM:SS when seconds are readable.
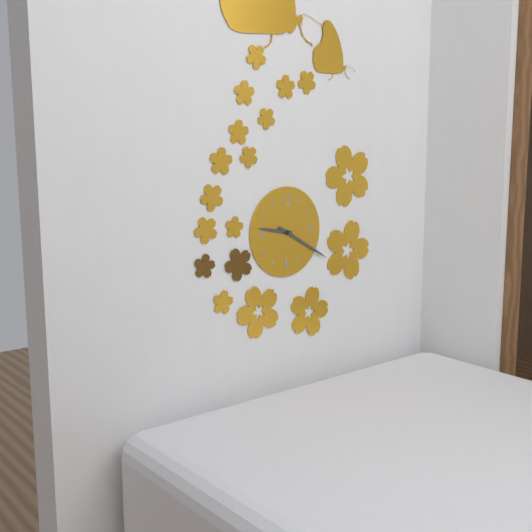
**9:20**
